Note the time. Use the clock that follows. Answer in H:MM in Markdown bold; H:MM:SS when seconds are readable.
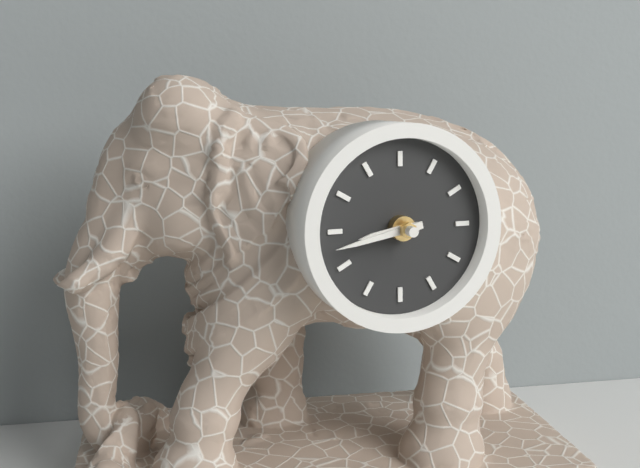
**8:43**
